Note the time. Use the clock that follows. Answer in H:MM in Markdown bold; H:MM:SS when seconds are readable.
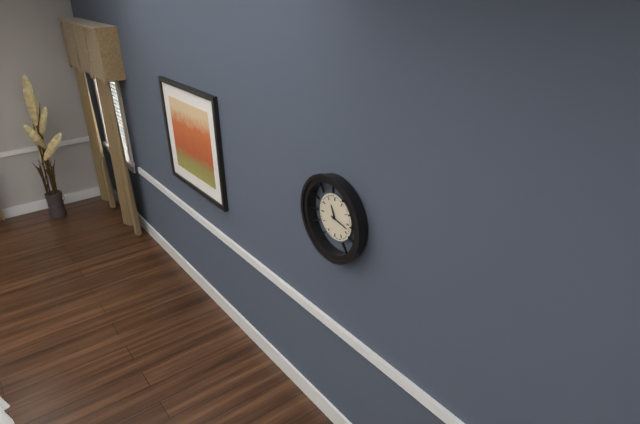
**11:17**
